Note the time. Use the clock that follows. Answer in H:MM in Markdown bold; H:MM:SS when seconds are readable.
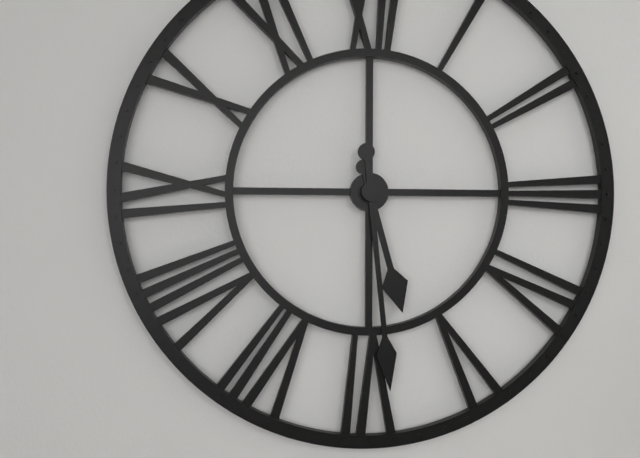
**5:29**
